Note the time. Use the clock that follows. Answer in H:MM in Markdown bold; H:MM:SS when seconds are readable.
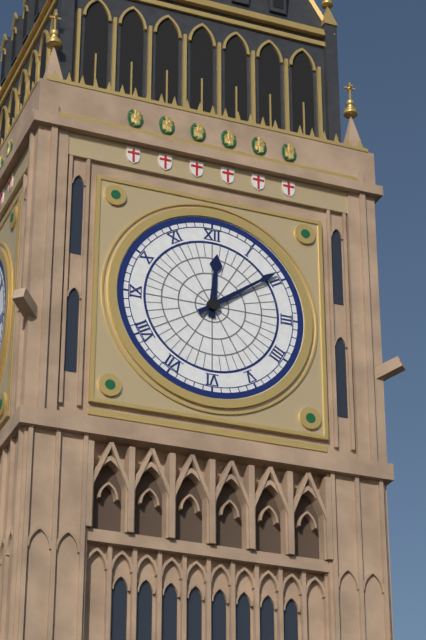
**12:09**
